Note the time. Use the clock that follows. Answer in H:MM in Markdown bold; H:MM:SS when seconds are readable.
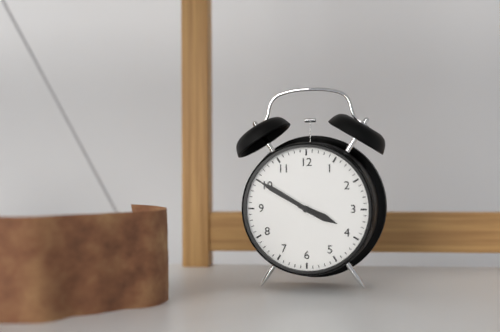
**3:50**
